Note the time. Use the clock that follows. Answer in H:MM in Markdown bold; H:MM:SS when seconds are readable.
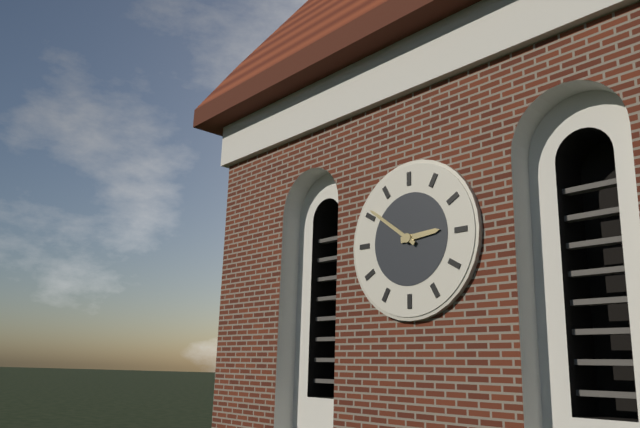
**2:51**
